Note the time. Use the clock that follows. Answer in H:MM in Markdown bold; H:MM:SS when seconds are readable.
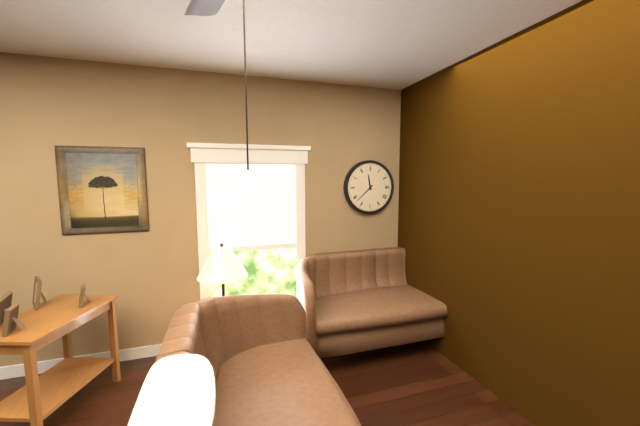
**11:38**
